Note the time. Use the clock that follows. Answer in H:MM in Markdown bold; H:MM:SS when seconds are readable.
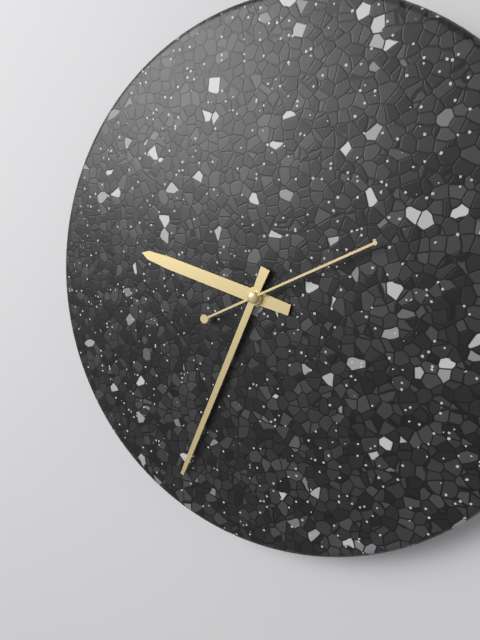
**9:34:11**
